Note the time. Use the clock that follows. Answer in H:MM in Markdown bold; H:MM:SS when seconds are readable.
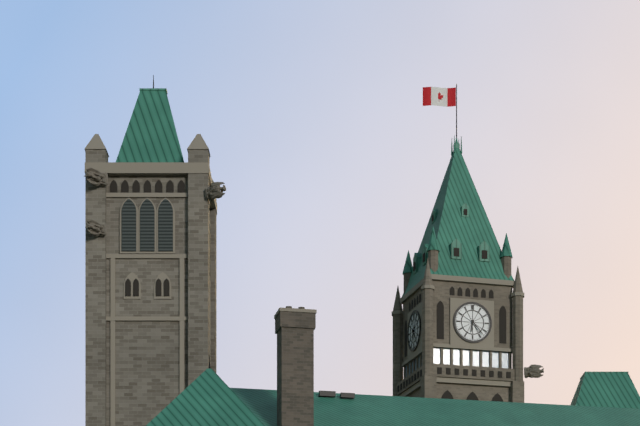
**6:23**
